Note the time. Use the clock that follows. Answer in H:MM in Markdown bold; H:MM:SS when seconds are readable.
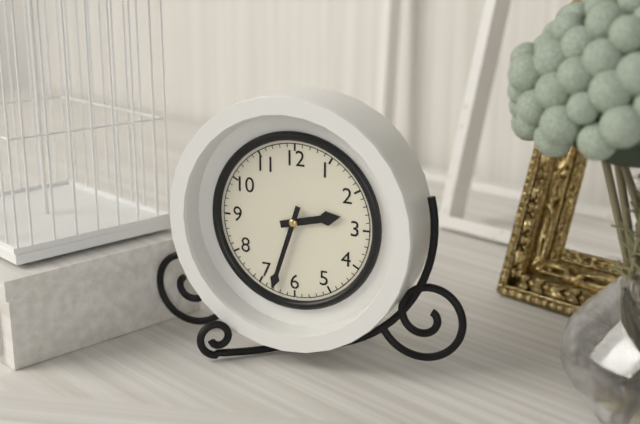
**2:33**
